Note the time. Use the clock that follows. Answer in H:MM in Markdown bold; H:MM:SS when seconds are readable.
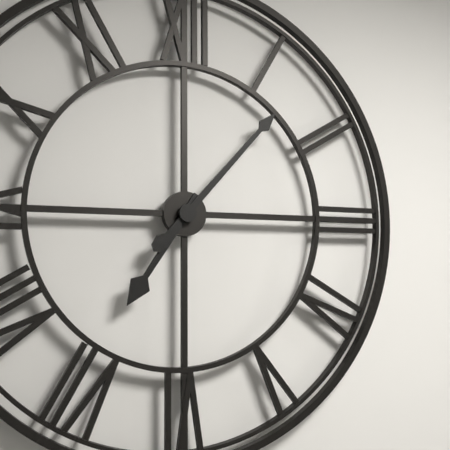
**7:07**
